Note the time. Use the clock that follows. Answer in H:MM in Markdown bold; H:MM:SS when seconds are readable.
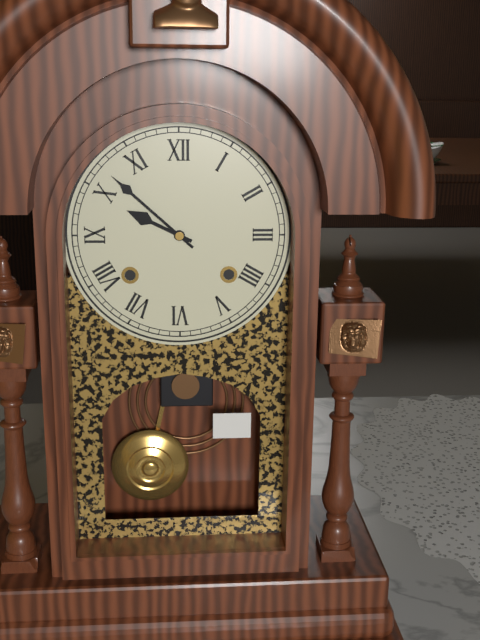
**9:52**
